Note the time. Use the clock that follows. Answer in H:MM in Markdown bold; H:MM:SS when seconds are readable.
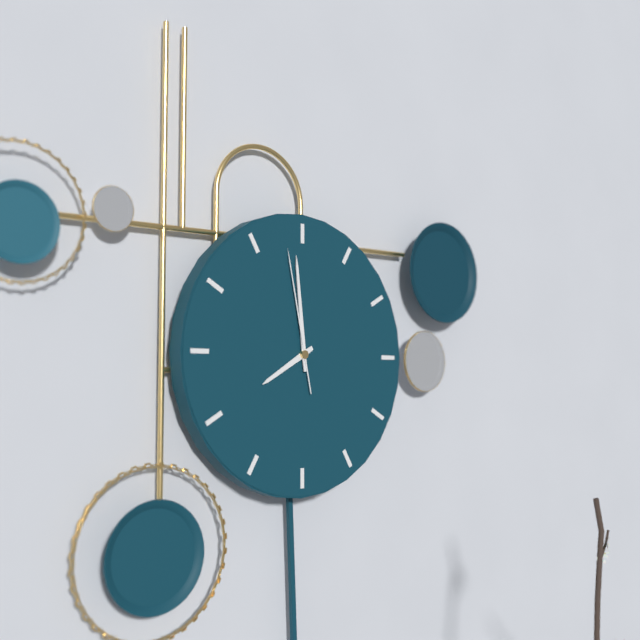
**7:59:58**
